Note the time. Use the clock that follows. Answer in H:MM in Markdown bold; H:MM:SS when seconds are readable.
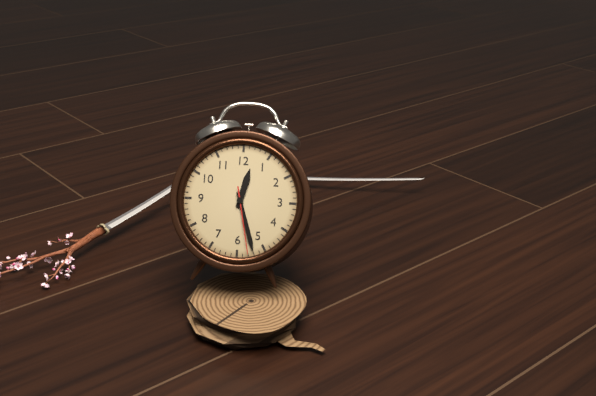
**12:27:28**
